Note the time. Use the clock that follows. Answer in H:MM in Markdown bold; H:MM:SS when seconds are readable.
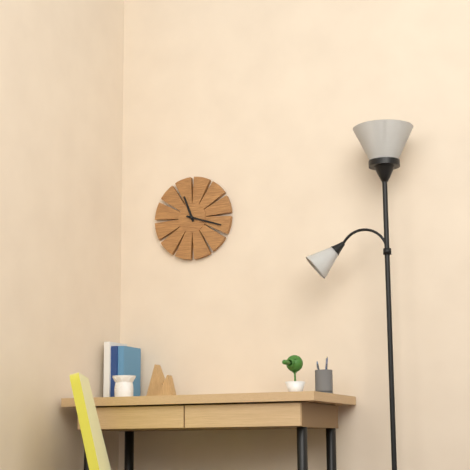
**11:18**
